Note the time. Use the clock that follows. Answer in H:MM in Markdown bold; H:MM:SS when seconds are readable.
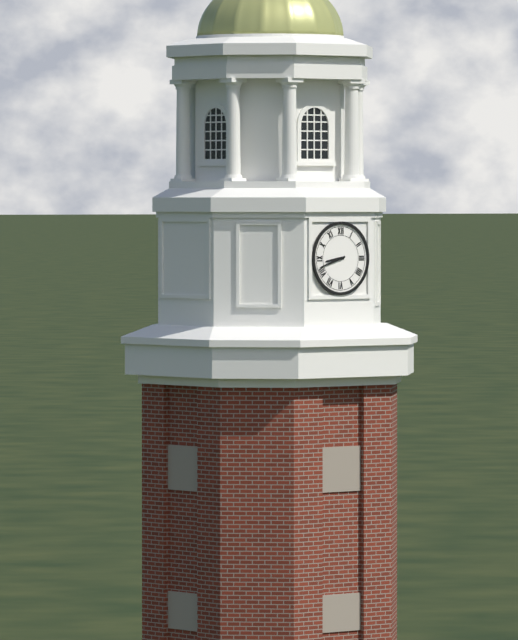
**8:42**
